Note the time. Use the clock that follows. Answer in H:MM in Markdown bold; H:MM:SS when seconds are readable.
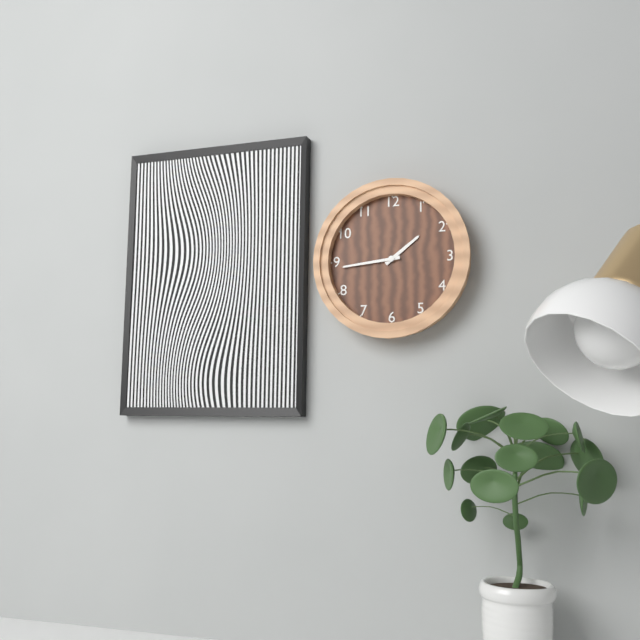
**1:44**
